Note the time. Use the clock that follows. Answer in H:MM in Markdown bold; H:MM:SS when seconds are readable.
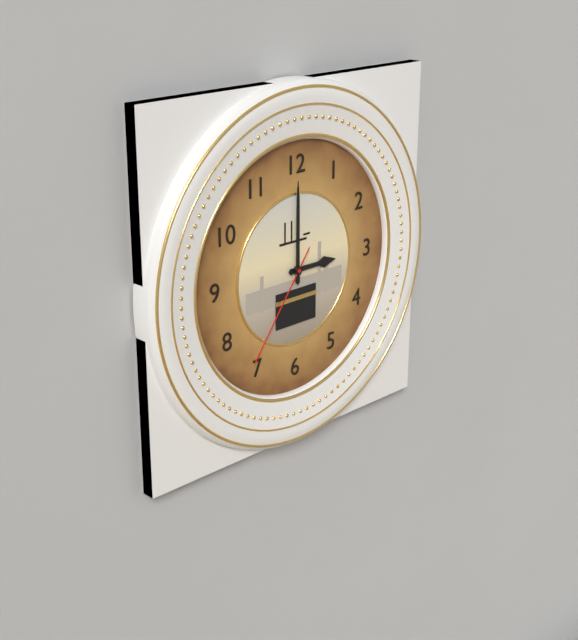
**3:00:36**
